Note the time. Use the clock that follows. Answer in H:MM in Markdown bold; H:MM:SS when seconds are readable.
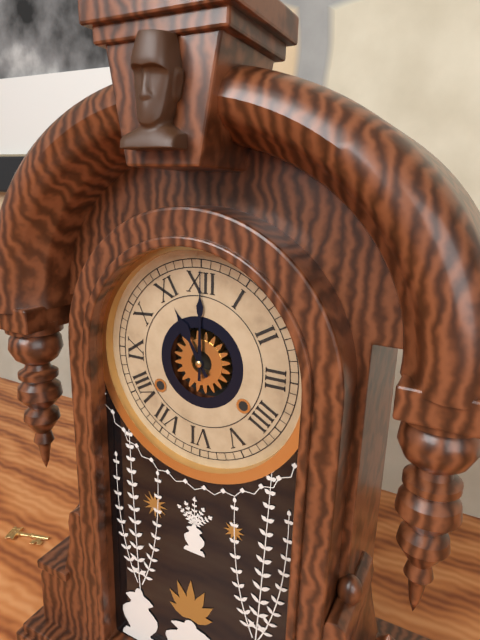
**11:00**
